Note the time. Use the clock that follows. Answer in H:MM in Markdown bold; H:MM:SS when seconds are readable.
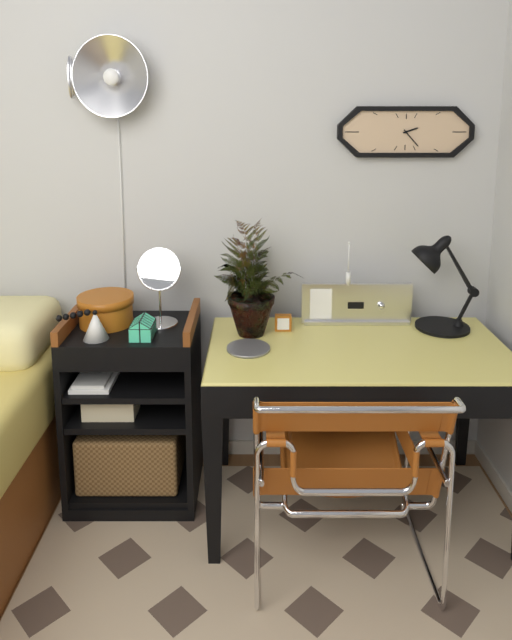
**2:23**
